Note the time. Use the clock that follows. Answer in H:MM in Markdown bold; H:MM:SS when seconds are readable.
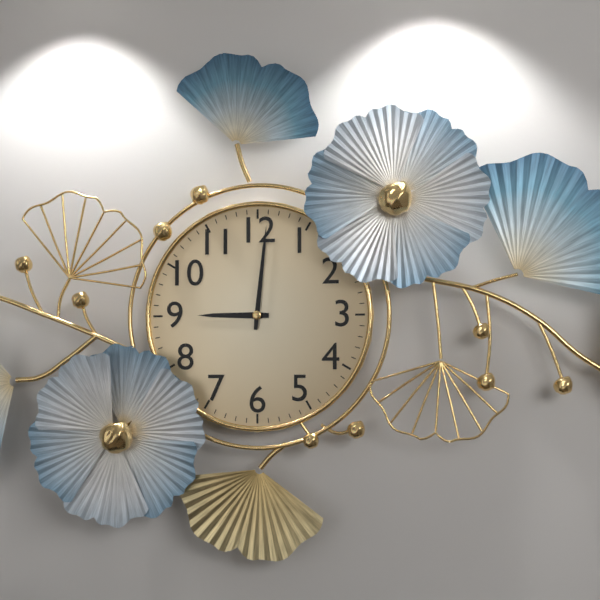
**9:01**
